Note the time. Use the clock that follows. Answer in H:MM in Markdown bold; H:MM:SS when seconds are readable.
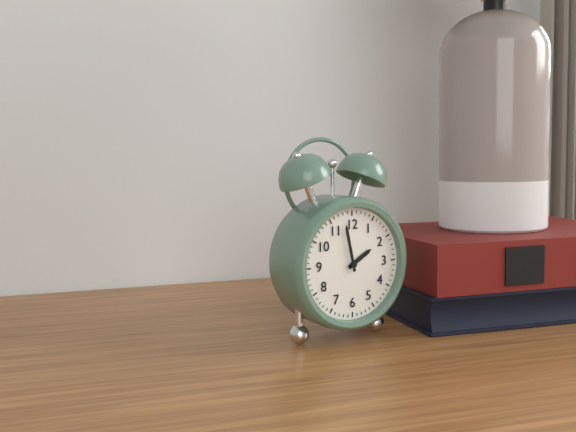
**1:58**
